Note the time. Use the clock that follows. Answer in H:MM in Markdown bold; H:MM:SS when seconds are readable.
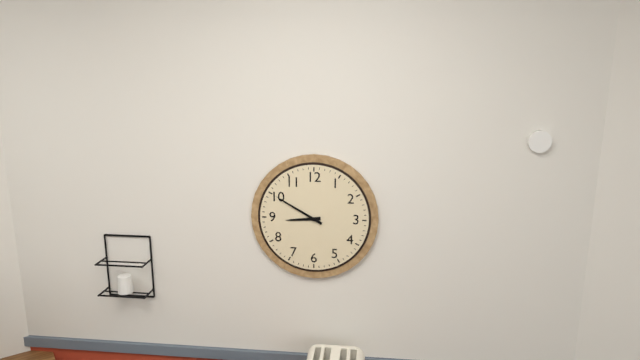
**8:50**
